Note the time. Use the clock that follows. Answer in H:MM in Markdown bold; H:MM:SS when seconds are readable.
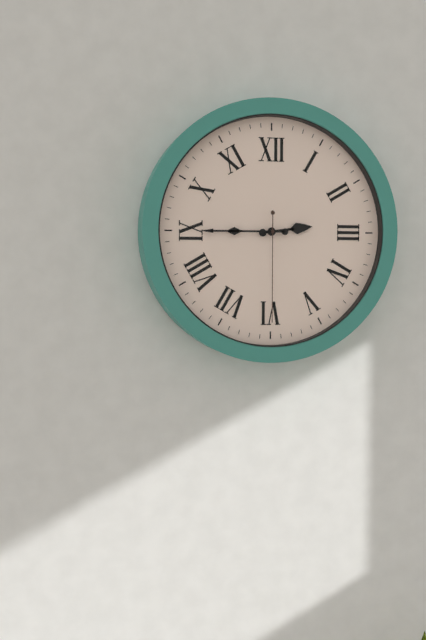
**2:45:30**
